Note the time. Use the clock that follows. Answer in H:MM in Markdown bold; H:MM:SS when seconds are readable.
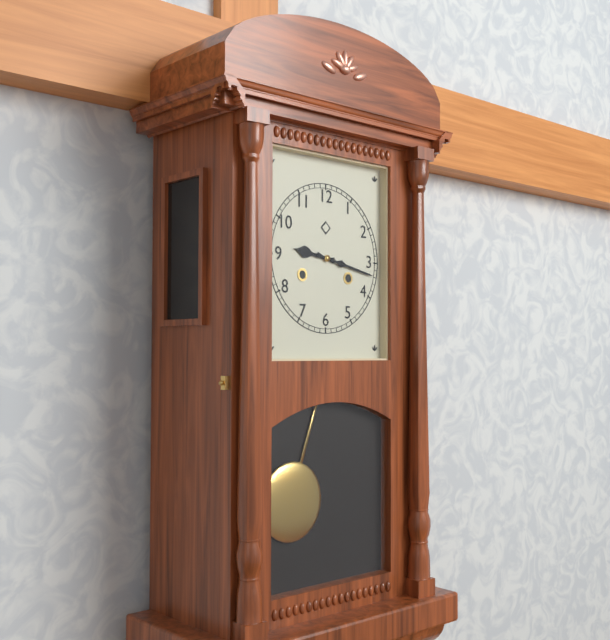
**9:17**
